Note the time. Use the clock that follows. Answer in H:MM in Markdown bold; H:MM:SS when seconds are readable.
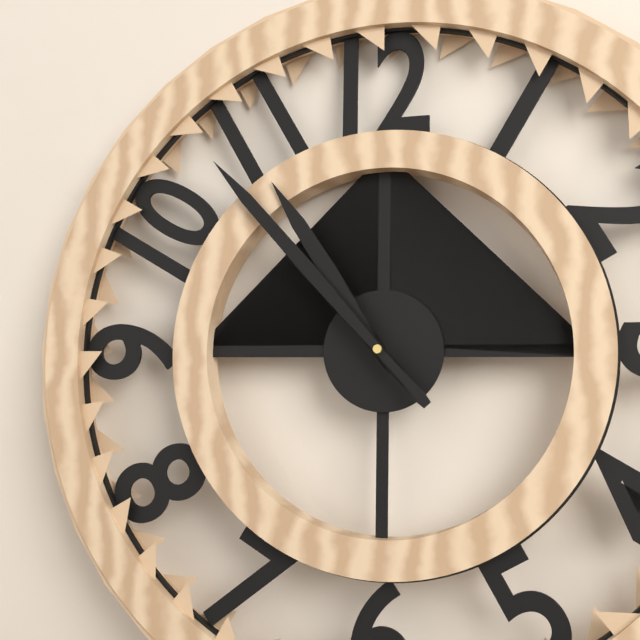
**10:53**
